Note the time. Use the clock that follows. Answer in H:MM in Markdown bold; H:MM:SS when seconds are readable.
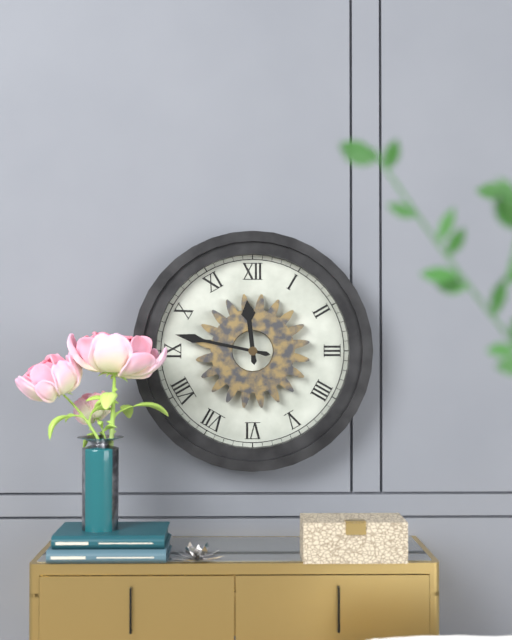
**11:47**
